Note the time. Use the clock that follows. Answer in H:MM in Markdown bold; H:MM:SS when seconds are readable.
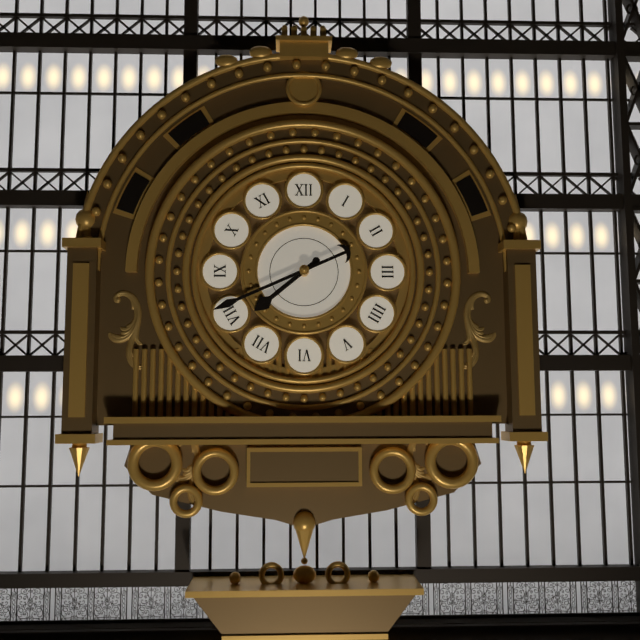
**7:41**
